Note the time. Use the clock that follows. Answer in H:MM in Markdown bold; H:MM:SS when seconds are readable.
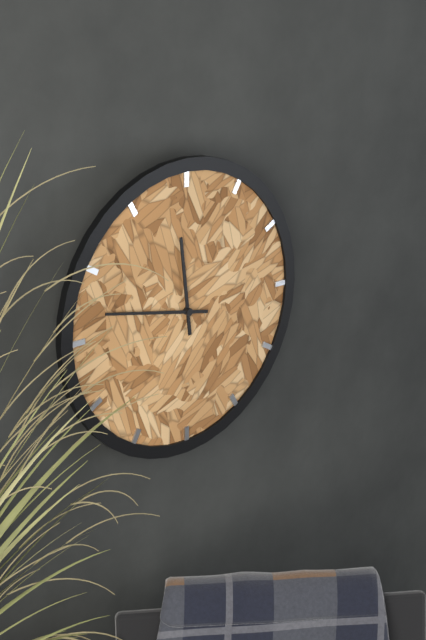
**11:47**
